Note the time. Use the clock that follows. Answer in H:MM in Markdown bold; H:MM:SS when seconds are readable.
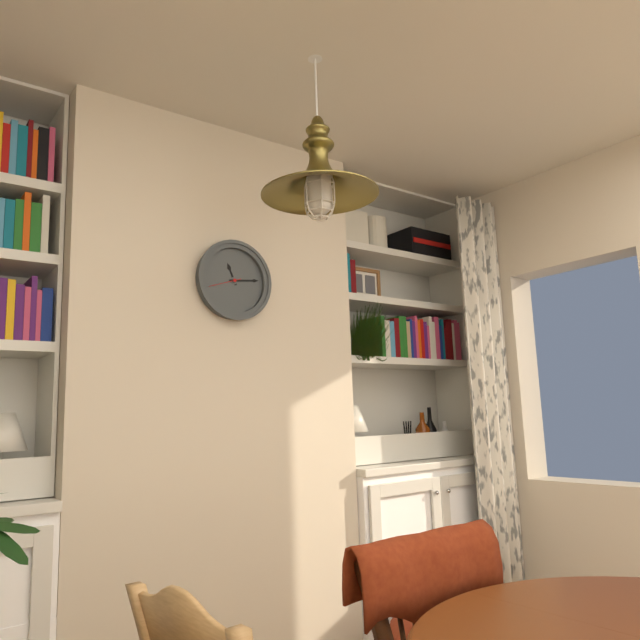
**11:14**
